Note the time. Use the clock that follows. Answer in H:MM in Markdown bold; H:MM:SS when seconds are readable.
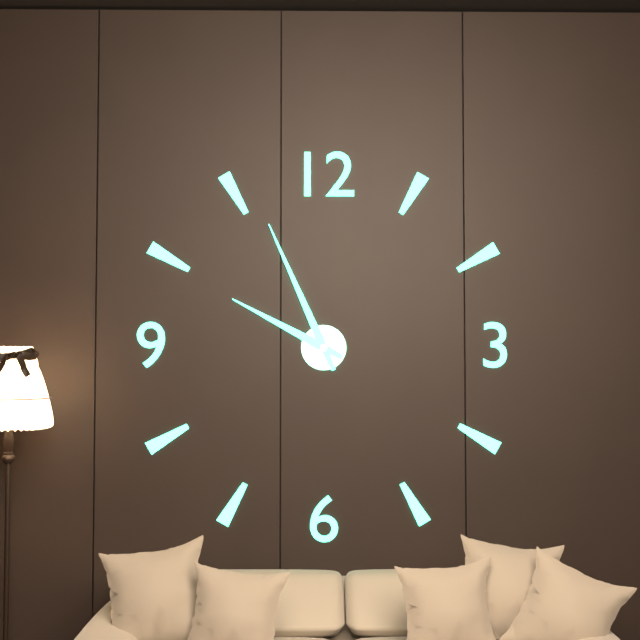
**9:56**
